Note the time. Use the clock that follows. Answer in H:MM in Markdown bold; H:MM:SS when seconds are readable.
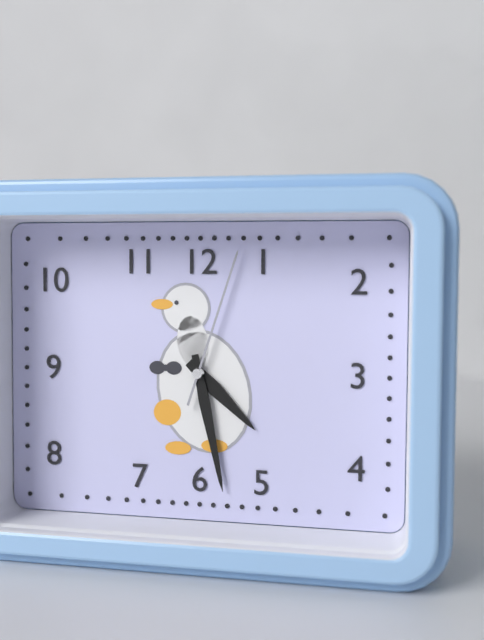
**4:28:03**
